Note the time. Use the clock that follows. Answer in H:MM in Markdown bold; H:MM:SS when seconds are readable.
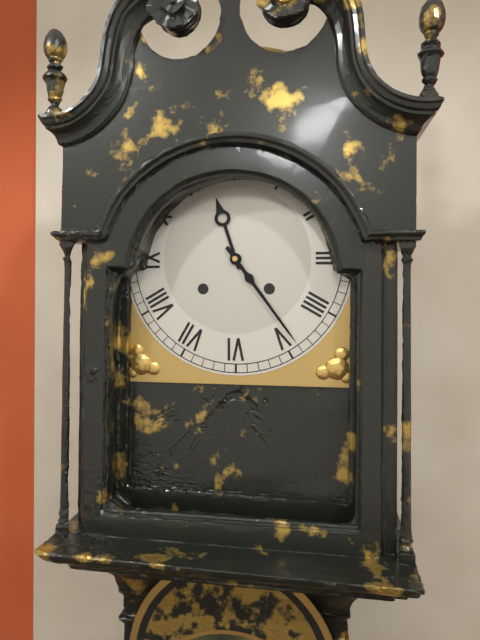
**11:24**
